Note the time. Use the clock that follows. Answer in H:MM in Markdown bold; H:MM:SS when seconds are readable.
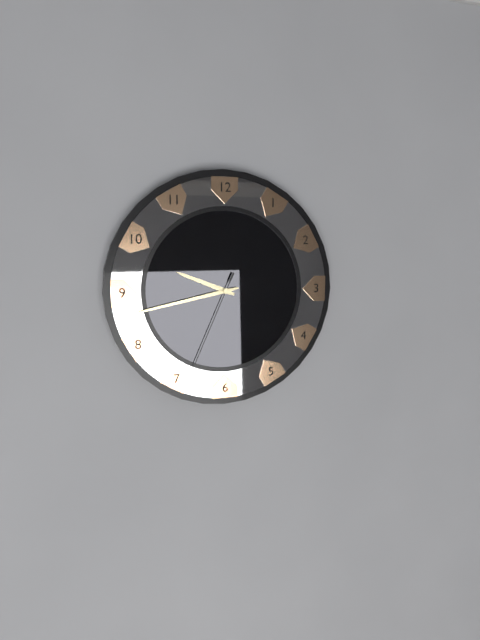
**9:43:34**
